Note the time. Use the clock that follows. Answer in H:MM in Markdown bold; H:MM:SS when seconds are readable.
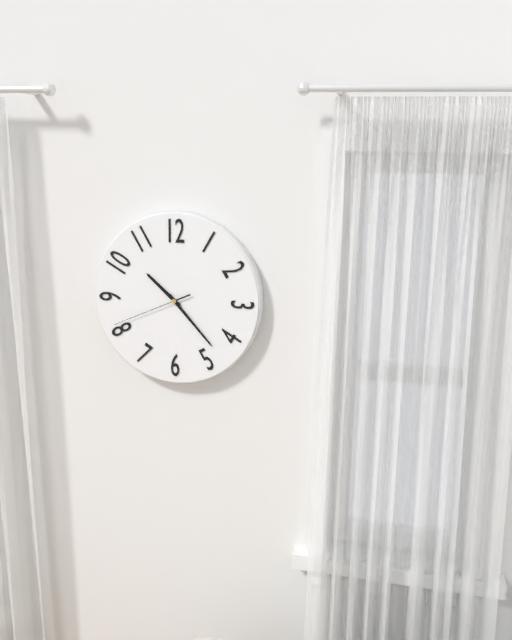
**10:23:41**
